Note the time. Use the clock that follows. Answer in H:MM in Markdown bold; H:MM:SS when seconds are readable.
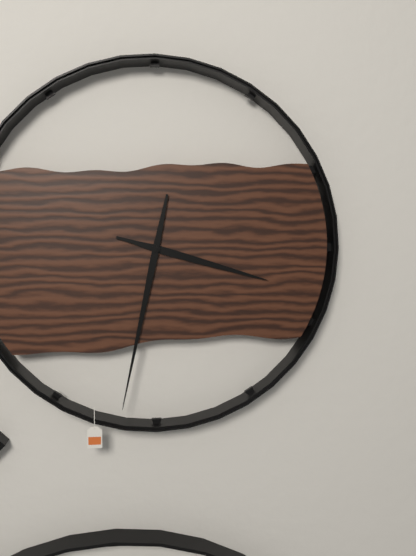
**3:32**
